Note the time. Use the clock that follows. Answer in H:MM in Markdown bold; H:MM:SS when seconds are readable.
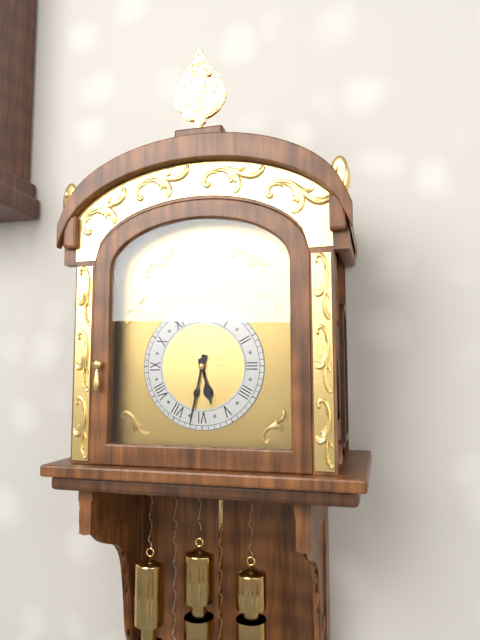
**5:32**
